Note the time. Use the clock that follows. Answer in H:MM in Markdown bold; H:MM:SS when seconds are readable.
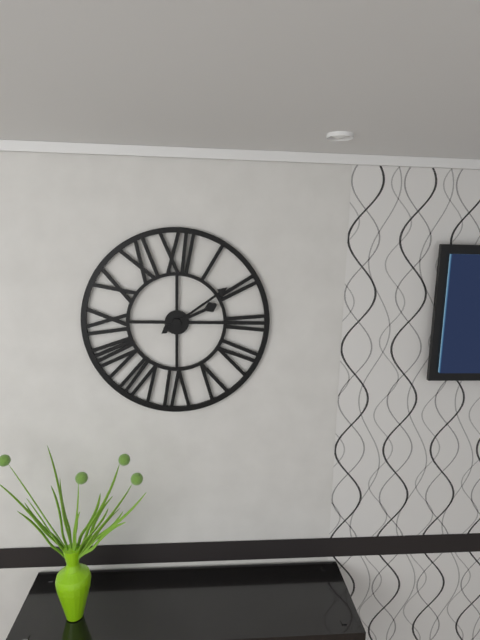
**2:09**
